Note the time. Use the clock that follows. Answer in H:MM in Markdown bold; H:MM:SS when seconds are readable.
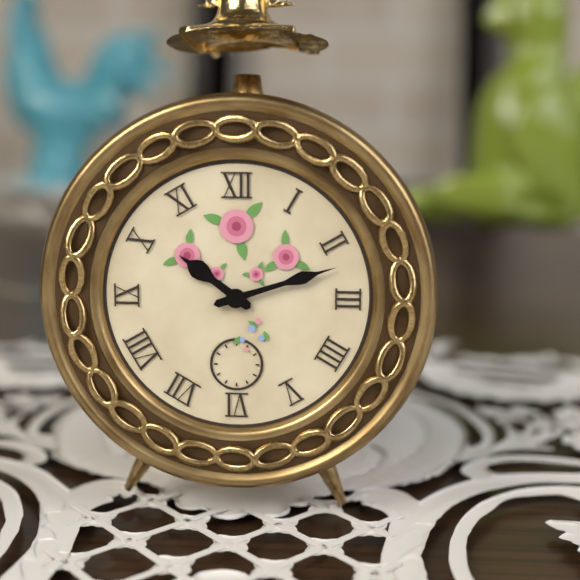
**10:12**
